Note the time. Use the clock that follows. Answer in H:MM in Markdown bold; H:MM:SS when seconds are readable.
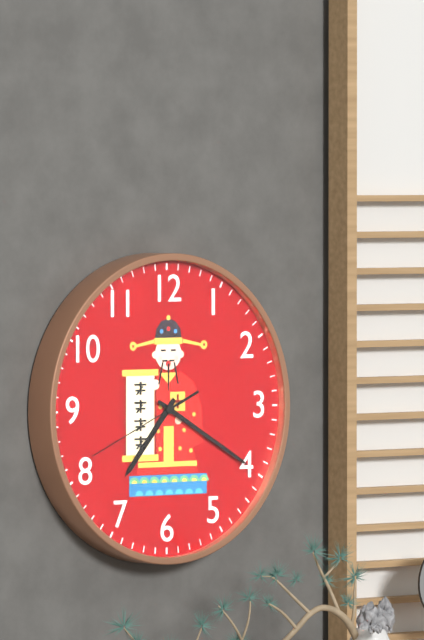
**7:20:41**
